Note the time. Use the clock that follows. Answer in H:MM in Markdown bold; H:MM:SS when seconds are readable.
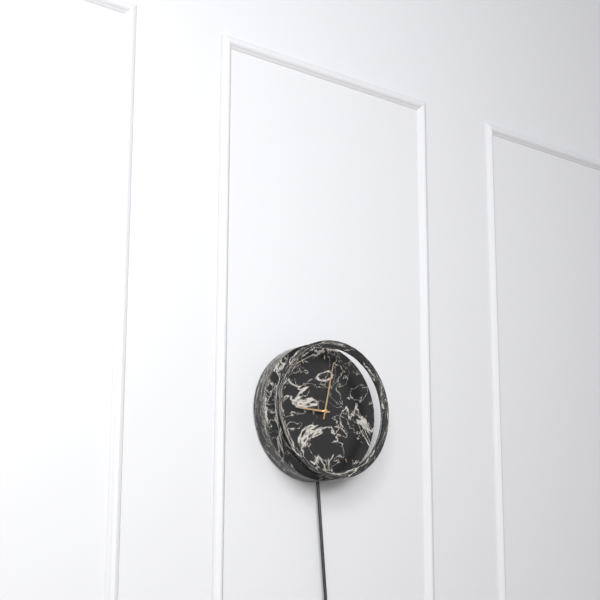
**9:02**
